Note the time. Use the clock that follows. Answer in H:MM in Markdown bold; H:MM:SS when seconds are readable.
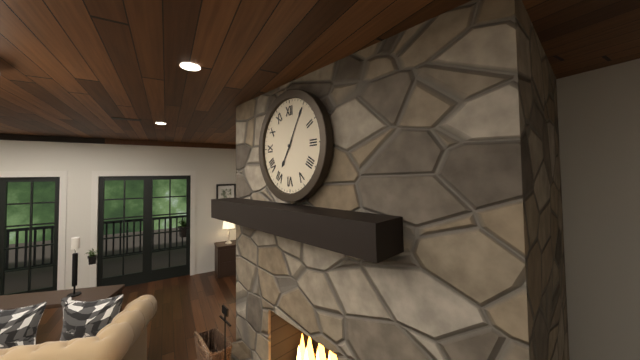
**7:05**
